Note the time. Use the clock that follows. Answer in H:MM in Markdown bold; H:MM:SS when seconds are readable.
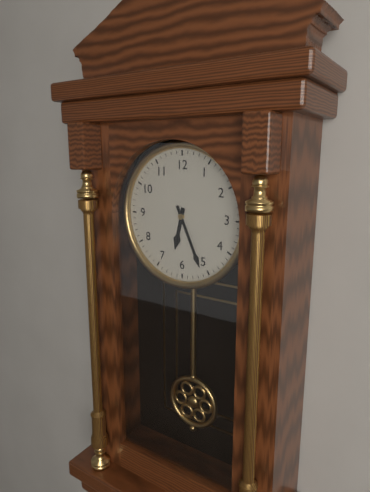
**6:26**
